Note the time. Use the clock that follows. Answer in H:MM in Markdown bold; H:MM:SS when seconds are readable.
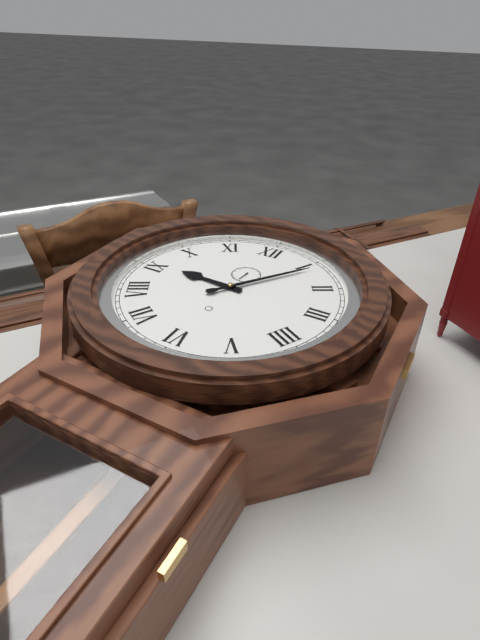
**9:06**
